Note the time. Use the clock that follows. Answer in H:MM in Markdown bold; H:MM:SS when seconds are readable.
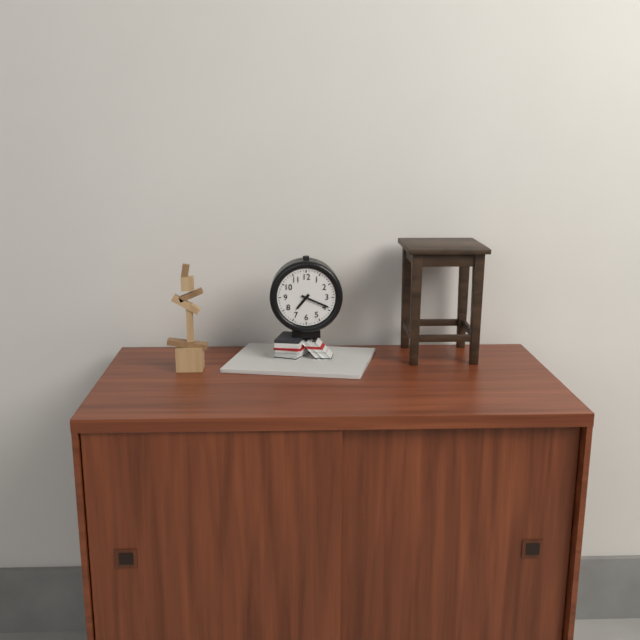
**7:19**
